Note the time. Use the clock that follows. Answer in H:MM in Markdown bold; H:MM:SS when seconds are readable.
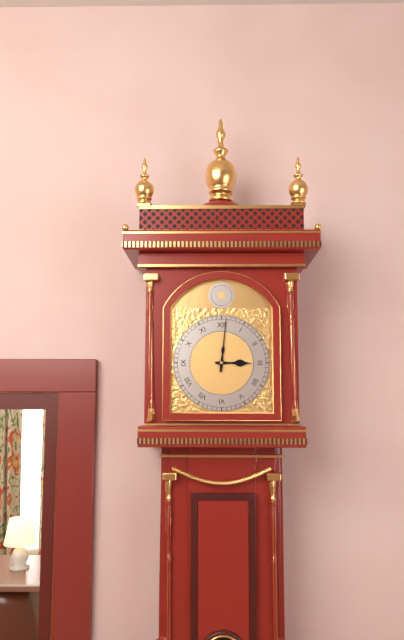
**3:01**
